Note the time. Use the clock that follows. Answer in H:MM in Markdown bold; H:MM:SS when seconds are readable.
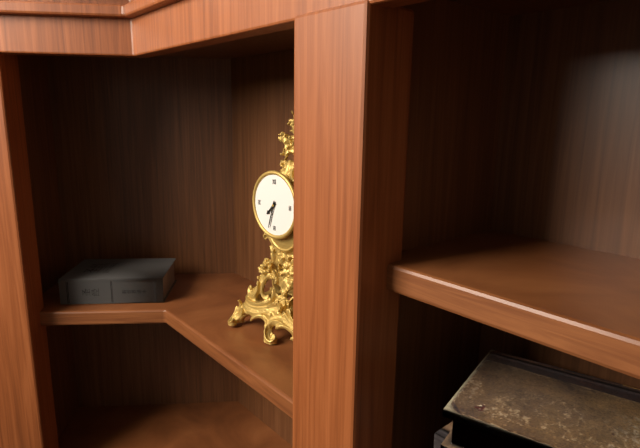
**7:33**
